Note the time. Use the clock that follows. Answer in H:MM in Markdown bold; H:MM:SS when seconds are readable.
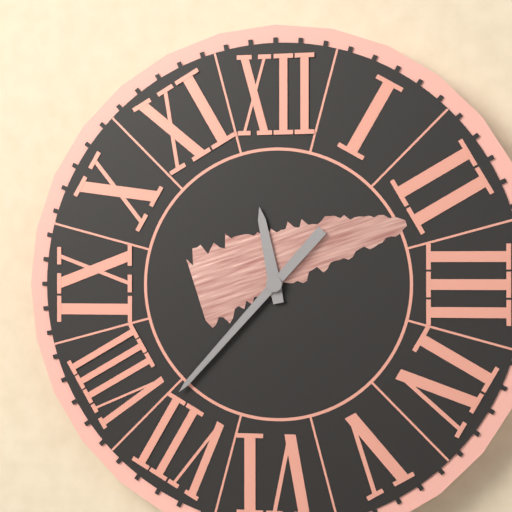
**11:37**
